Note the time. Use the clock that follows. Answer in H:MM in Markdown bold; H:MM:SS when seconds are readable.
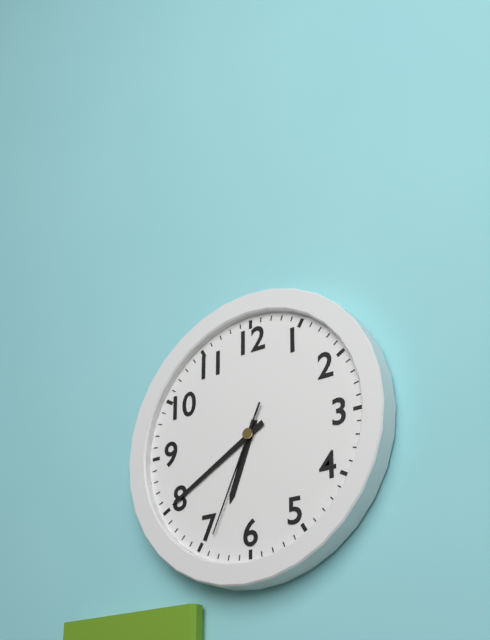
**6:40:34**
